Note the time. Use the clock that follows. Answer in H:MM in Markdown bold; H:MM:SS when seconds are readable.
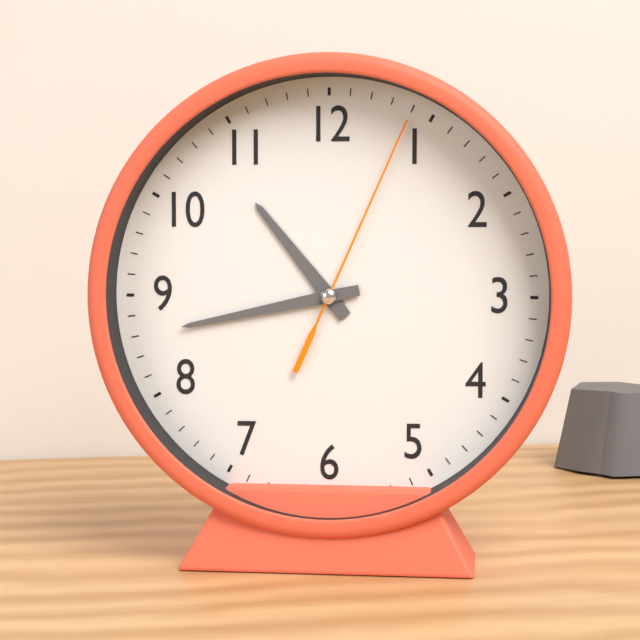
**10:43:04**
